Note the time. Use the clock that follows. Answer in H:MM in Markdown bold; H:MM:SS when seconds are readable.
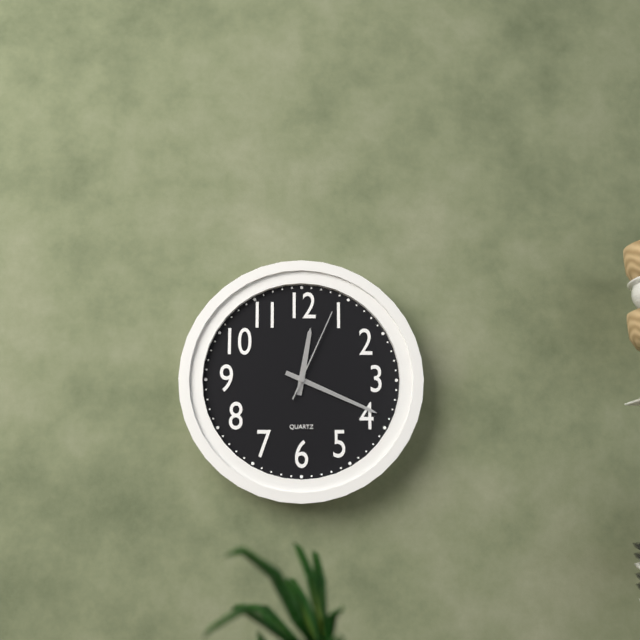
**12:19:04**
